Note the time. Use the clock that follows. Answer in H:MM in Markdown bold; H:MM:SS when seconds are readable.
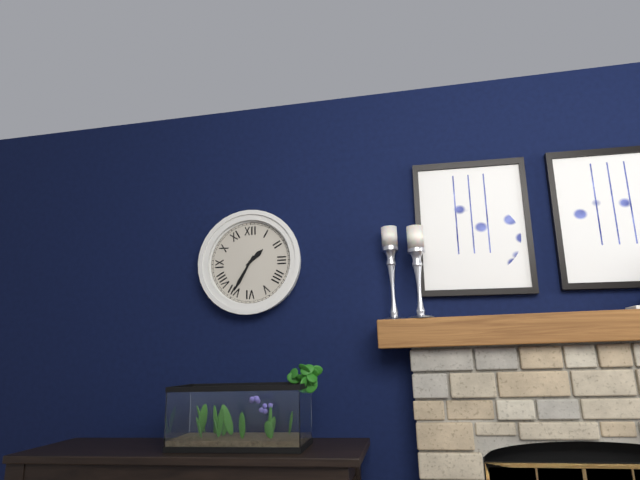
**1:35**
